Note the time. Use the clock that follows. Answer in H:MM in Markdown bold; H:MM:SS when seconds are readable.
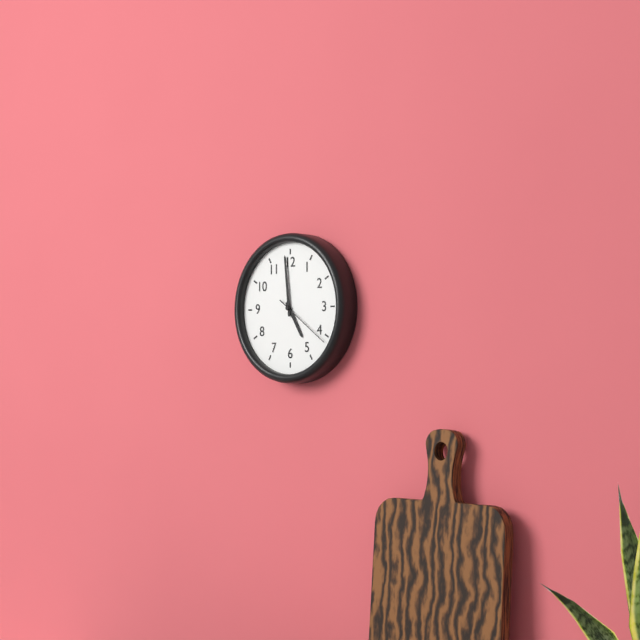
**4:59:21**
